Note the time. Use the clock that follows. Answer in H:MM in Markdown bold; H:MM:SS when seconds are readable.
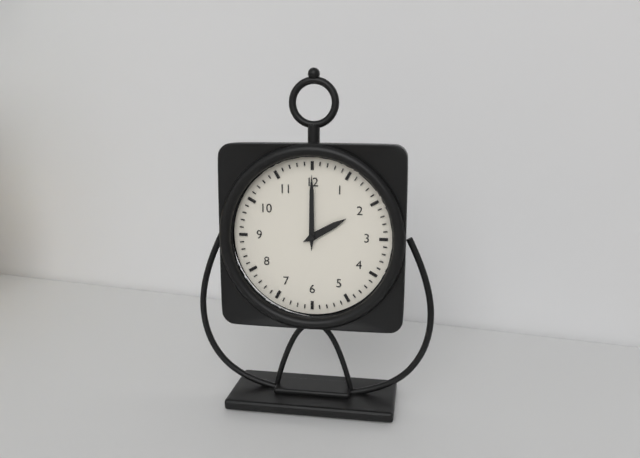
**2:00**
